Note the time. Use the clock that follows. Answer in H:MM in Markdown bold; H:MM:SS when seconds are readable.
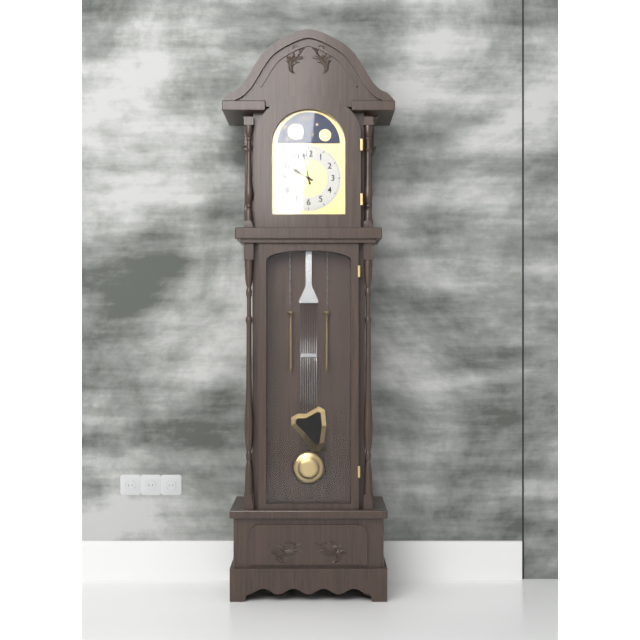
**9:58**
